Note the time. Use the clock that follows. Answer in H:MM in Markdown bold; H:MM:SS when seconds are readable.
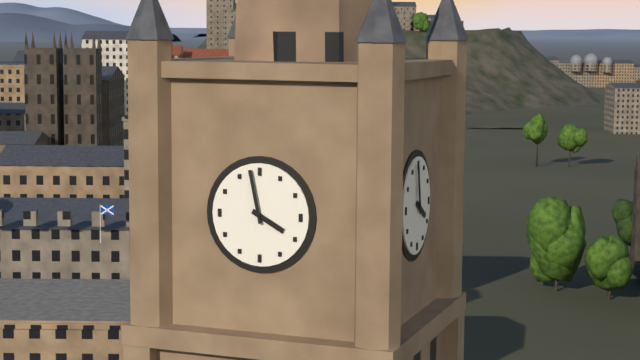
**3:58**
